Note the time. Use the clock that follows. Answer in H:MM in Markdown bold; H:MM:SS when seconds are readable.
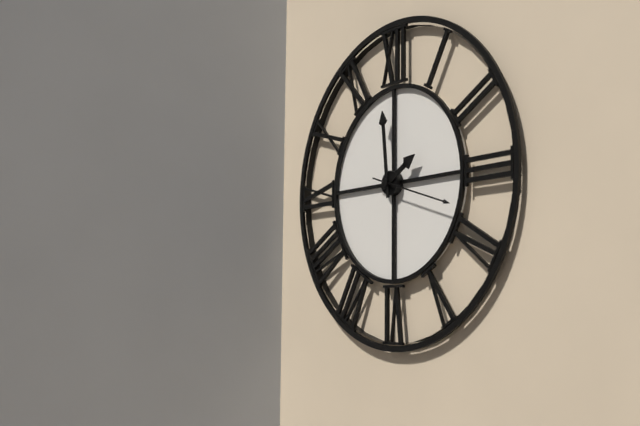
**1:59:18**
